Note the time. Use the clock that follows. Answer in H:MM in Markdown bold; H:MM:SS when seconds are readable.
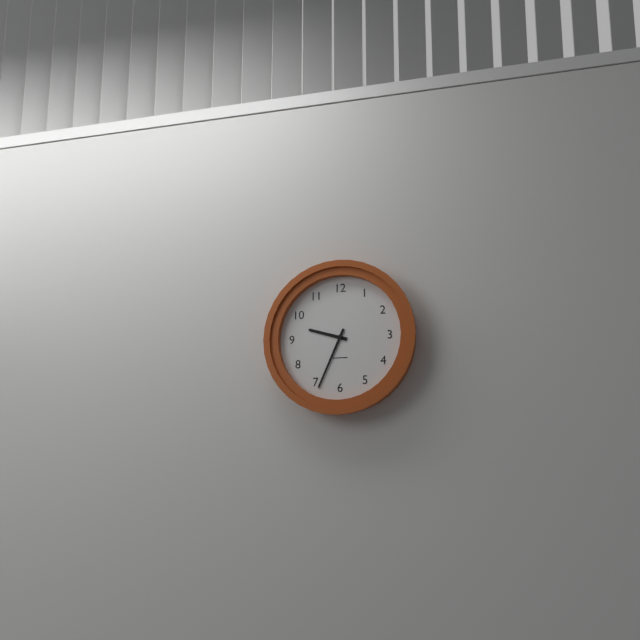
**9:34**
